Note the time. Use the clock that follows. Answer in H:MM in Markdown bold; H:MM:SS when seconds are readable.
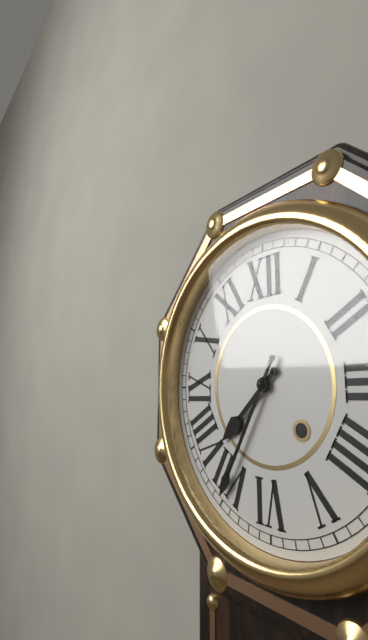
**7:35**
